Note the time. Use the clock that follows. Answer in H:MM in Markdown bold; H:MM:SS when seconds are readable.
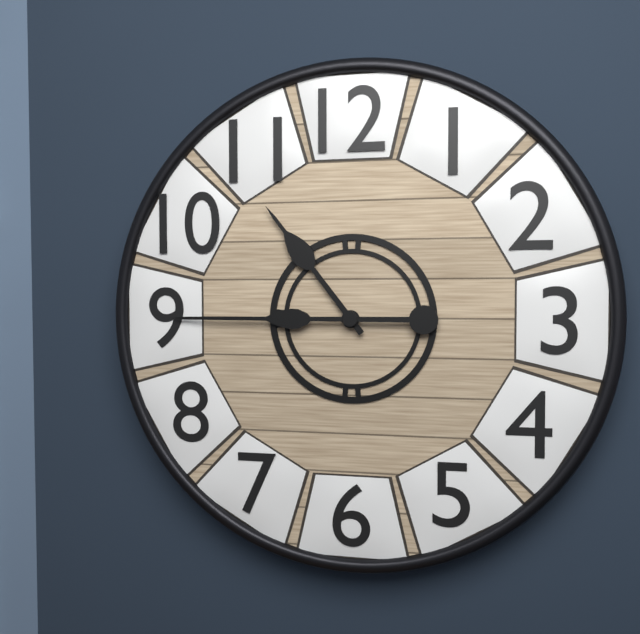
**10:45**
